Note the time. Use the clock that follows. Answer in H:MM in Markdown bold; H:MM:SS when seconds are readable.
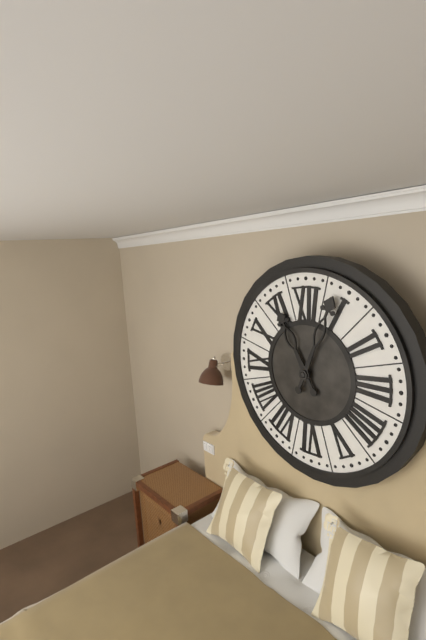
**11:04**
